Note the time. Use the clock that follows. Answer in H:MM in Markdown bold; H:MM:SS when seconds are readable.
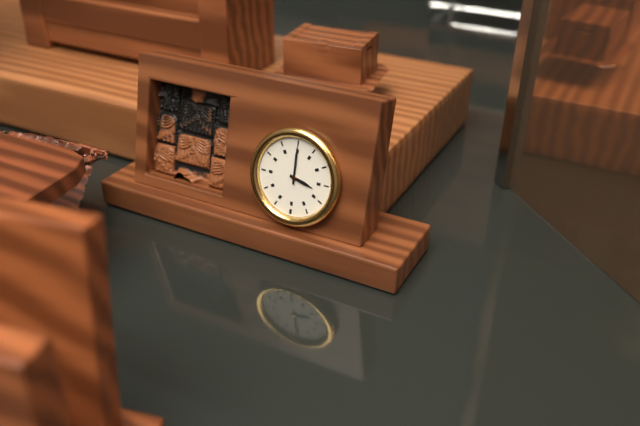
**9:30**
